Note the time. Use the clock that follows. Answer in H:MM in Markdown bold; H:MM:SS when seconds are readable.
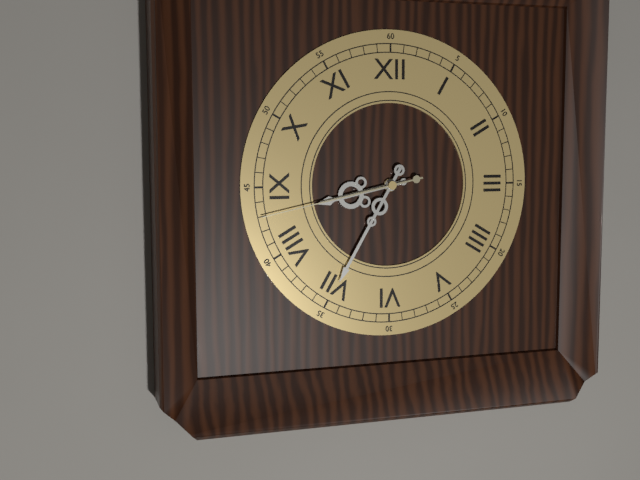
**8:35:43**
